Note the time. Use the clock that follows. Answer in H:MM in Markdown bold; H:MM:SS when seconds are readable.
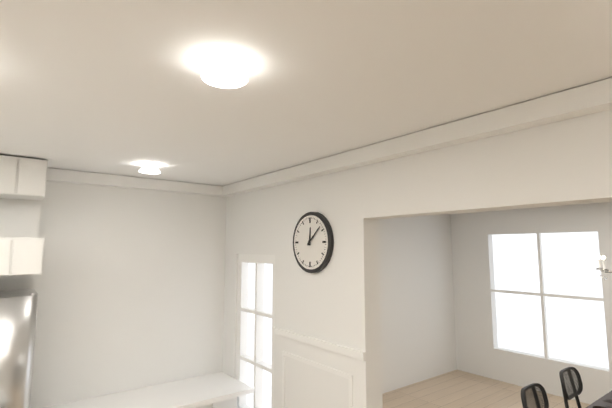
**12:08**
